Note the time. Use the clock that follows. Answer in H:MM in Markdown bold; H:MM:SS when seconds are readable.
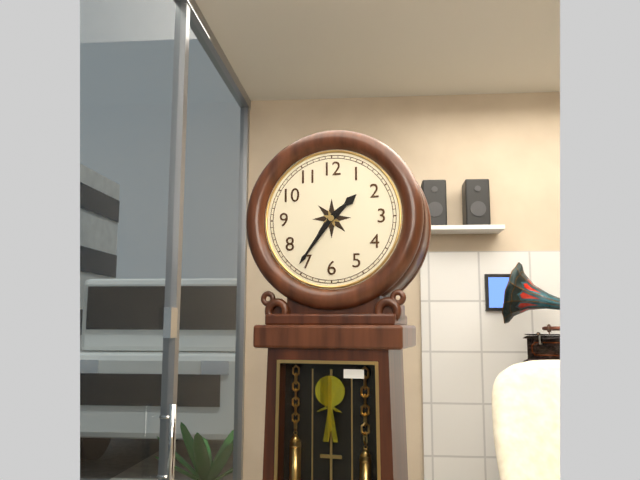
**1:36**
